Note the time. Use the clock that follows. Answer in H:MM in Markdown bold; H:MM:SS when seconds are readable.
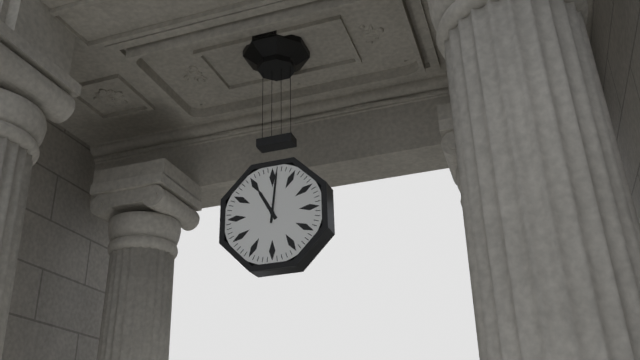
**11:01**
